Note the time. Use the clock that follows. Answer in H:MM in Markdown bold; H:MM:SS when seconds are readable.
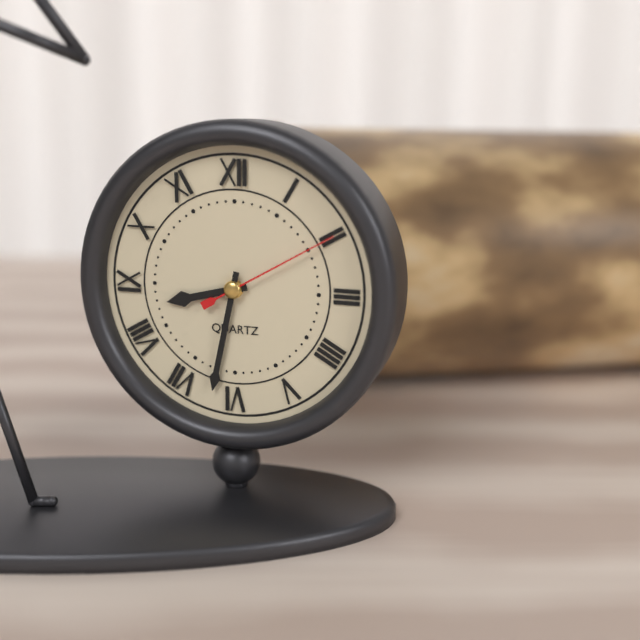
**8:32:10**
